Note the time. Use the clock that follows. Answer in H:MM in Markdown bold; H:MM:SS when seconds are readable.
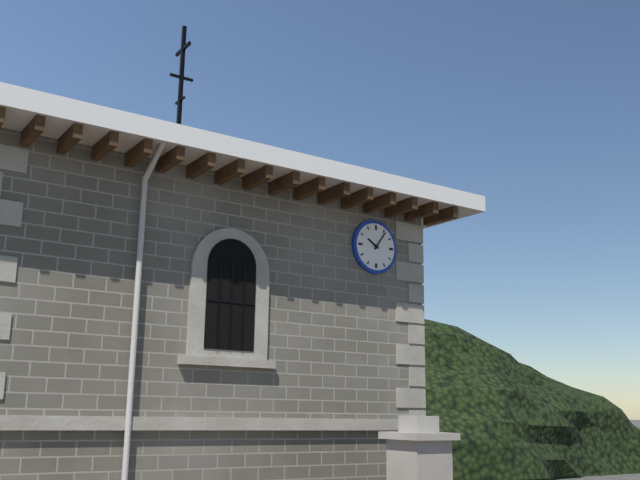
**10:06**
